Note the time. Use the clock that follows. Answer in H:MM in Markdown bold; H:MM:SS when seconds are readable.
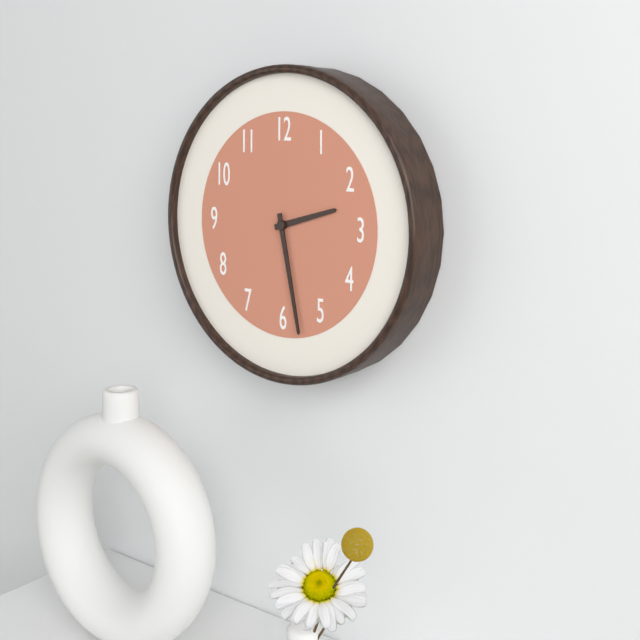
**2:28**
